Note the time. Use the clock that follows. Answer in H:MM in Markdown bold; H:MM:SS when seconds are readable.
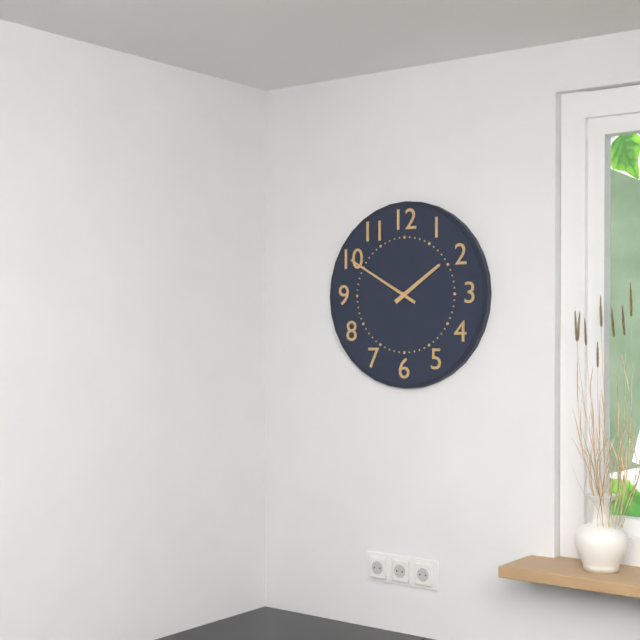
**1:50**
